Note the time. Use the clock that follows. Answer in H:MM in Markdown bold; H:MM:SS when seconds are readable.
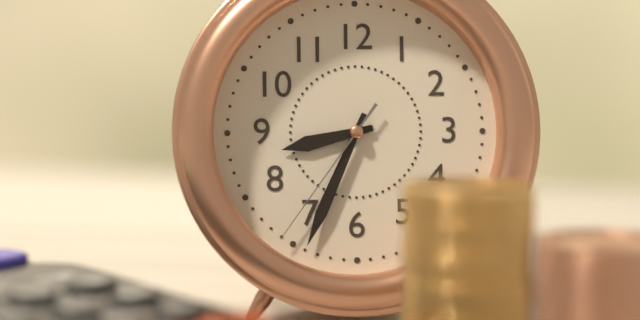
**8:34:36**
